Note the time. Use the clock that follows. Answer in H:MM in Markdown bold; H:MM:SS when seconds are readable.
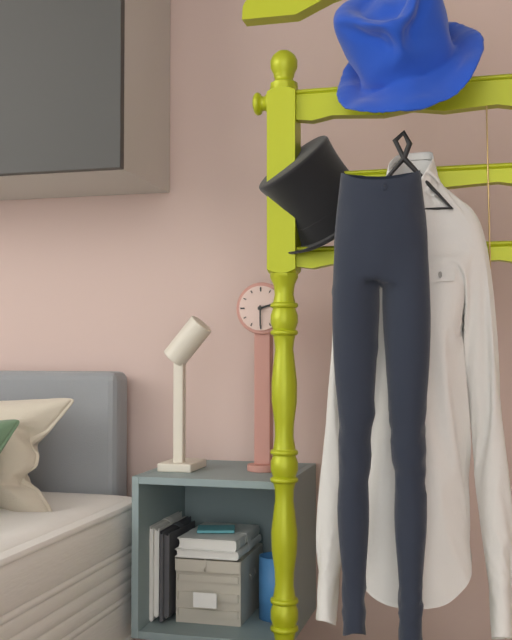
**2:30**
